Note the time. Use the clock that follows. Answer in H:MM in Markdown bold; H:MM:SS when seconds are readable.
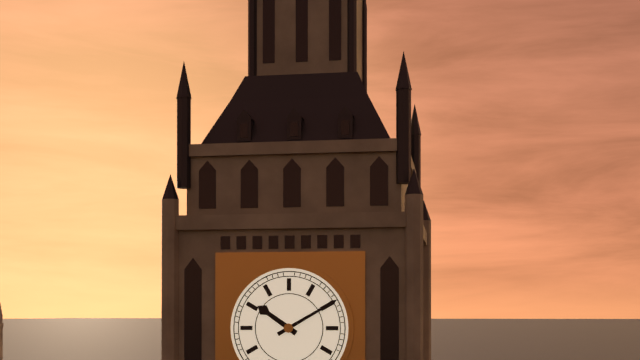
**10:10**
